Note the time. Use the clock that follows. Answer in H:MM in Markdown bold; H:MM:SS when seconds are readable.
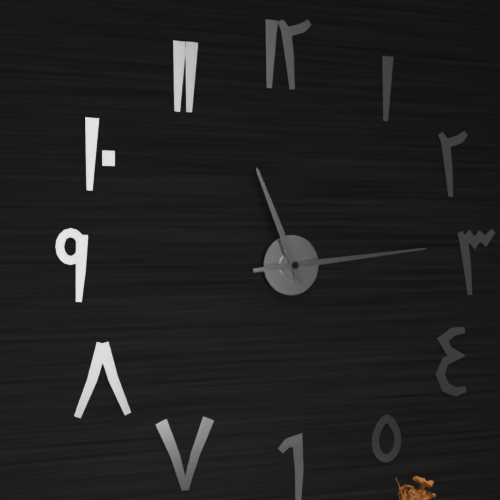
**11:14**
